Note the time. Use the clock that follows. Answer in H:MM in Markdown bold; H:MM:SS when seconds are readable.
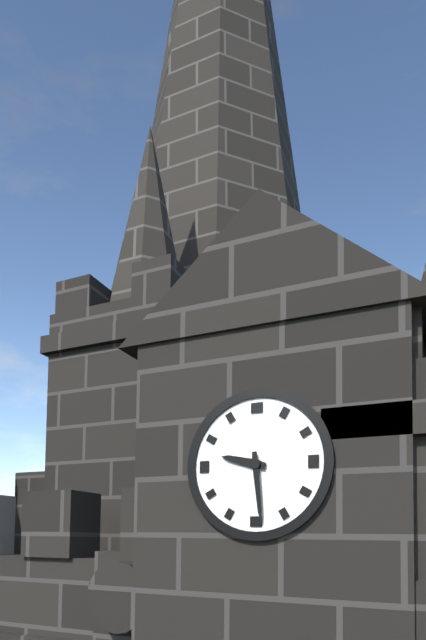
**9:29**
